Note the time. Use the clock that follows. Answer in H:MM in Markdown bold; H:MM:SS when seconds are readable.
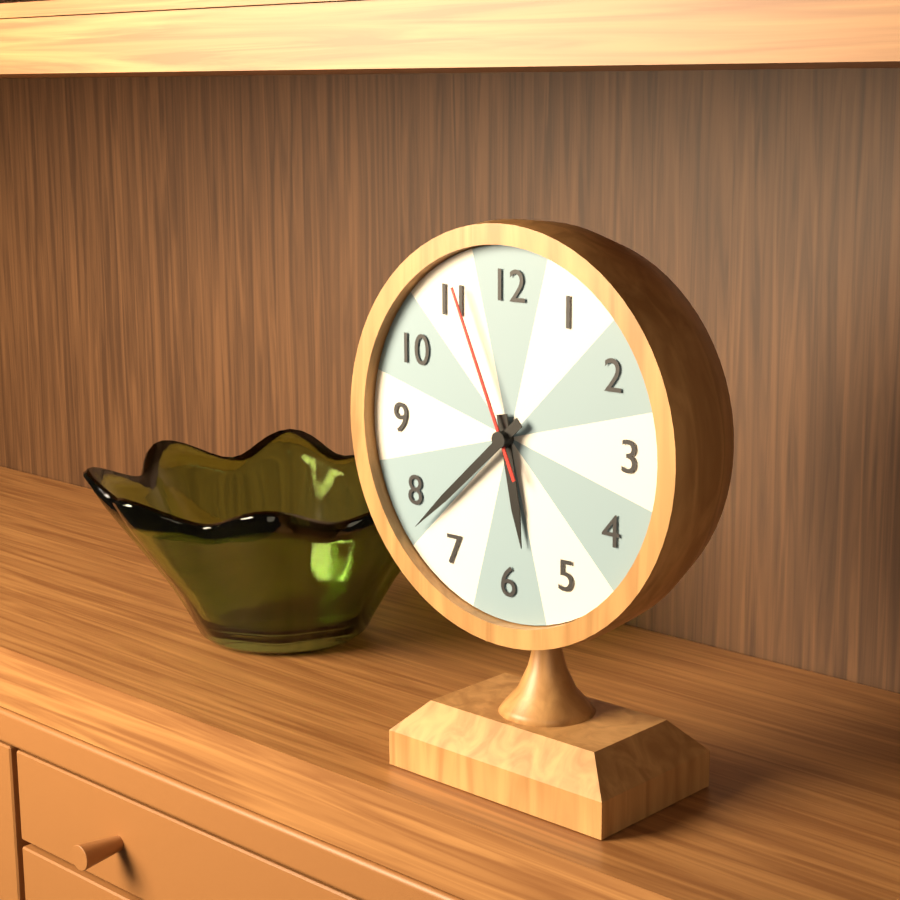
**5:38:56**
